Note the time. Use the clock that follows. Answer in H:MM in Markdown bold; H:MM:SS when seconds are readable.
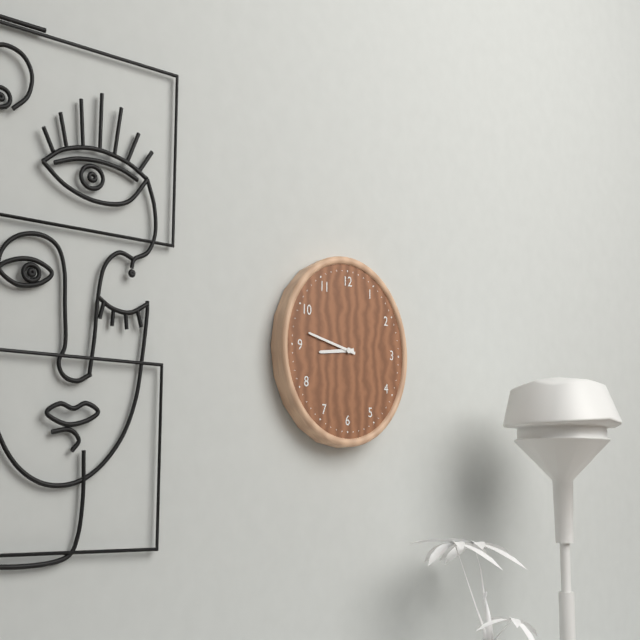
**8:47**
